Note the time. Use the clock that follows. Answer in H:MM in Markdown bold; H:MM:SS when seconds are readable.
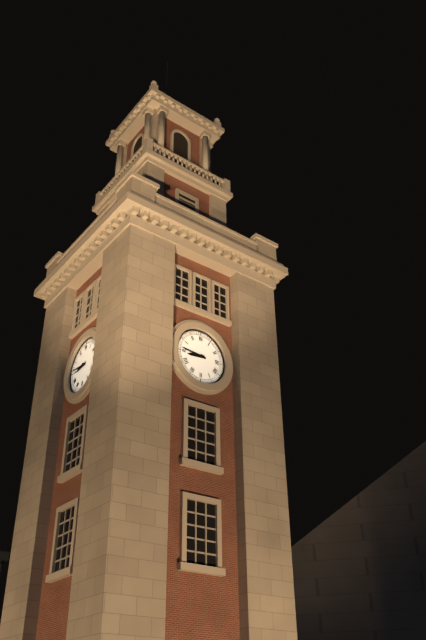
**8:46**
